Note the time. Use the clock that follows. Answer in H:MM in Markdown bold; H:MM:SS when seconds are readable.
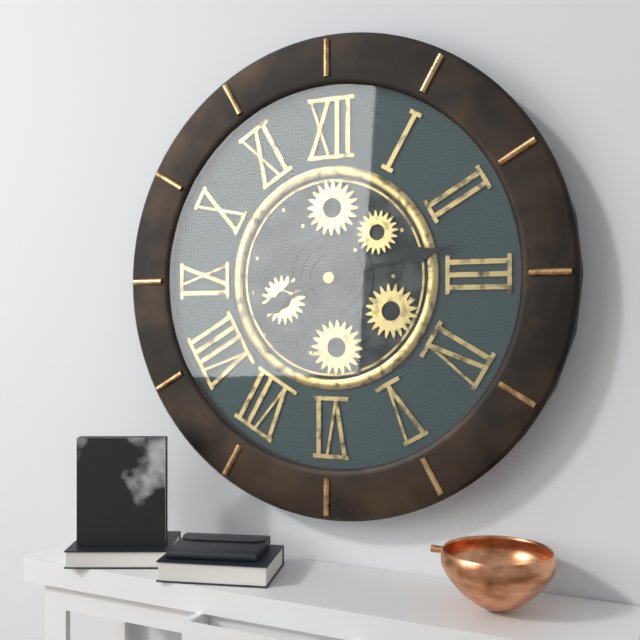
**8:13**
